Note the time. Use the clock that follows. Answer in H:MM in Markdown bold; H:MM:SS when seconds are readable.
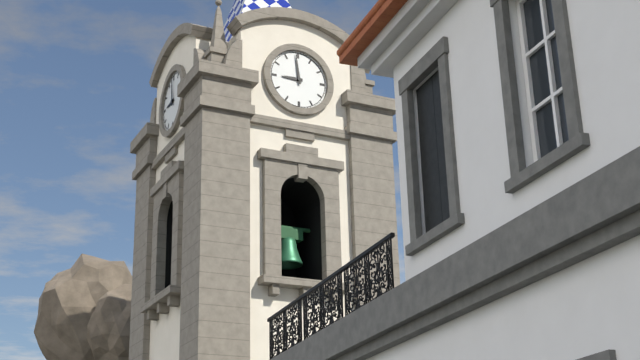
**8:59**
